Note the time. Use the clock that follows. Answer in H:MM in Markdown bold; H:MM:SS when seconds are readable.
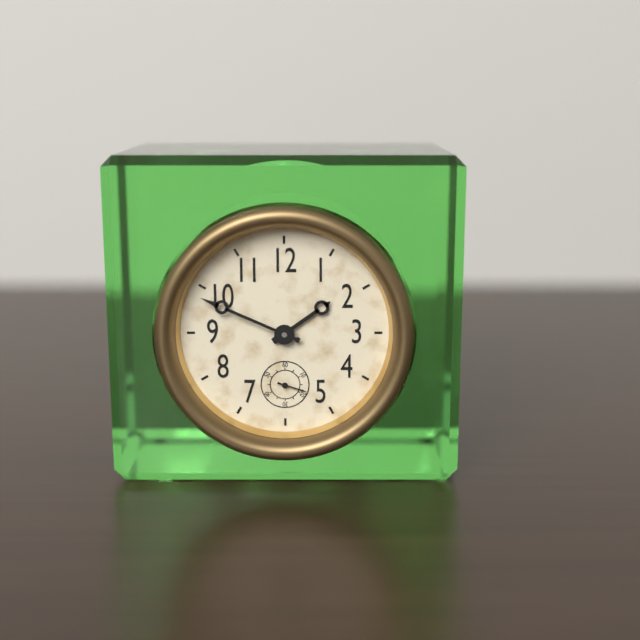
**1:49**
